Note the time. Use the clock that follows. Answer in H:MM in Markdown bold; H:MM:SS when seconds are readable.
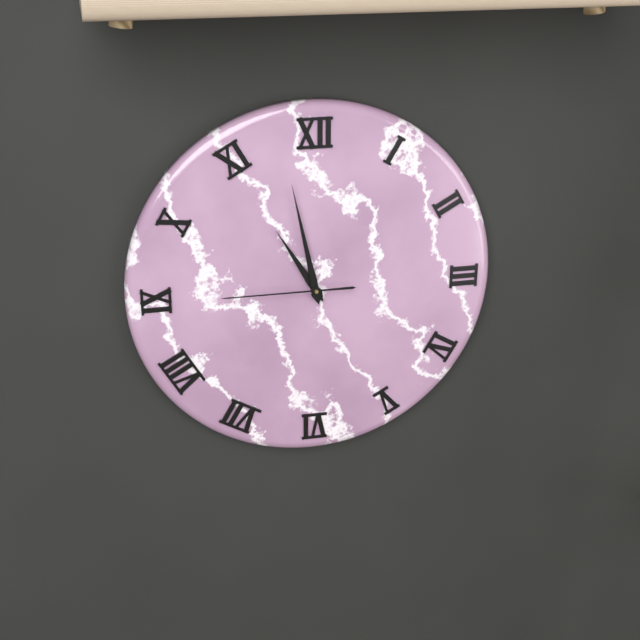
**10:58:45**
